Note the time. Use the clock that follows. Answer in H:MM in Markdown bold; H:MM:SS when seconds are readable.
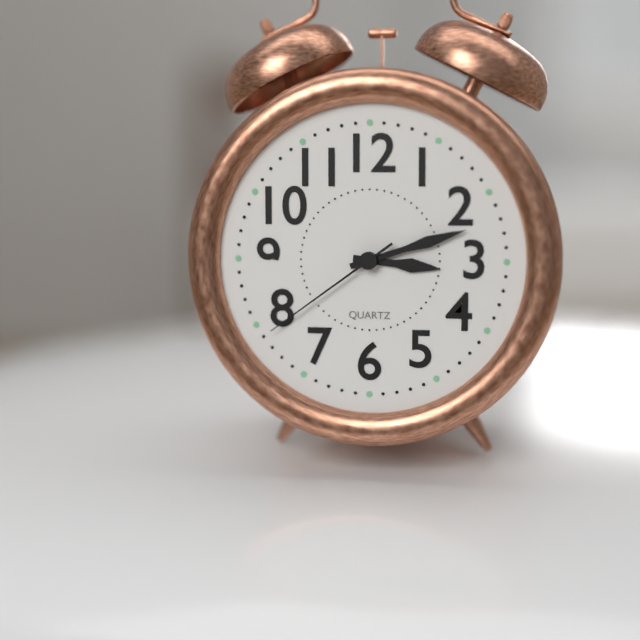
**3:12:39**
